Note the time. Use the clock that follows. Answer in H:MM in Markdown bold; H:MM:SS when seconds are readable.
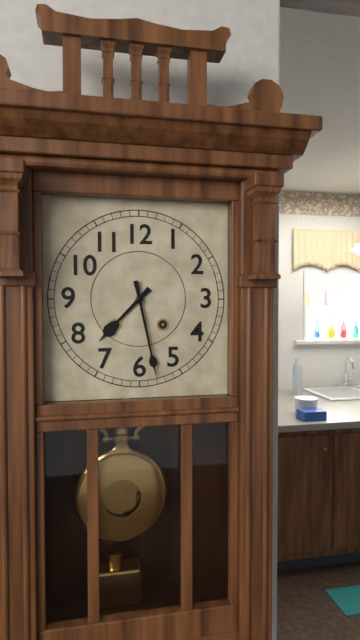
**7:28**
